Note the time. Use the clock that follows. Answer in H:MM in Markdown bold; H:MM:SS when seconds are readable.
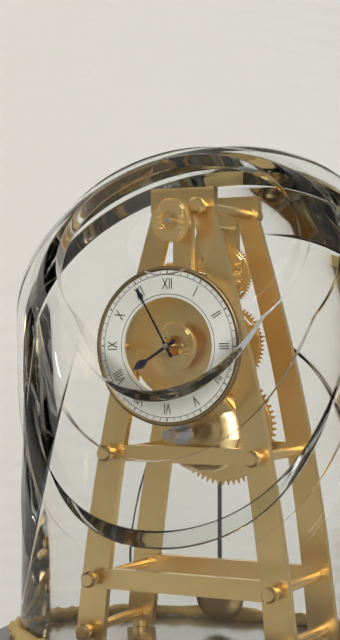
**7:55**
